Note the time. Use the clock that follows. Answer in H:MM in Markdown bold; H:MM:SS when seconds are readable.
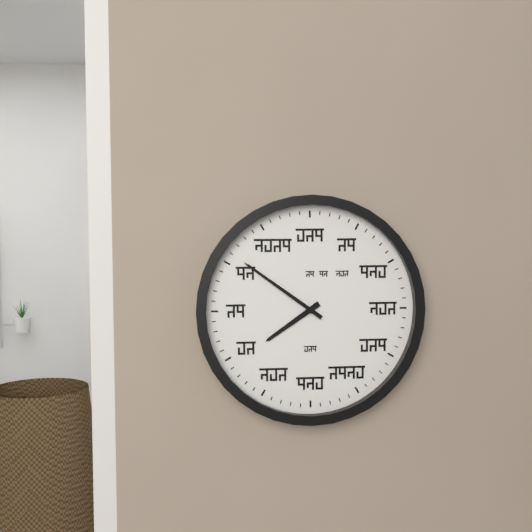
**7:51**
